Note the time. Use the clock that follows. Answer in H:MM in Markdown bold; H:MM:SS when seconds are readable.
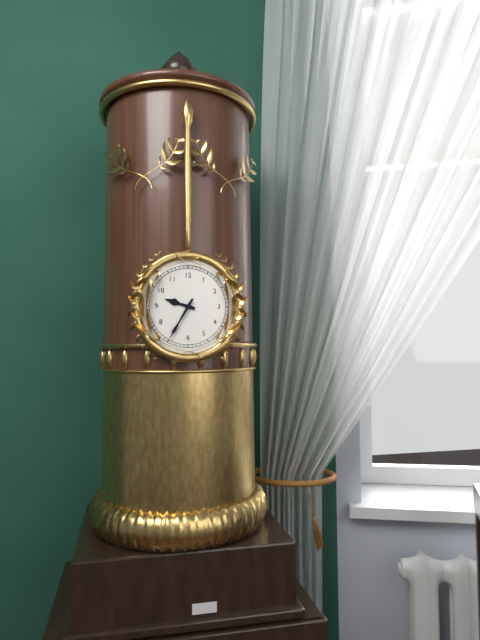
**9:35**
